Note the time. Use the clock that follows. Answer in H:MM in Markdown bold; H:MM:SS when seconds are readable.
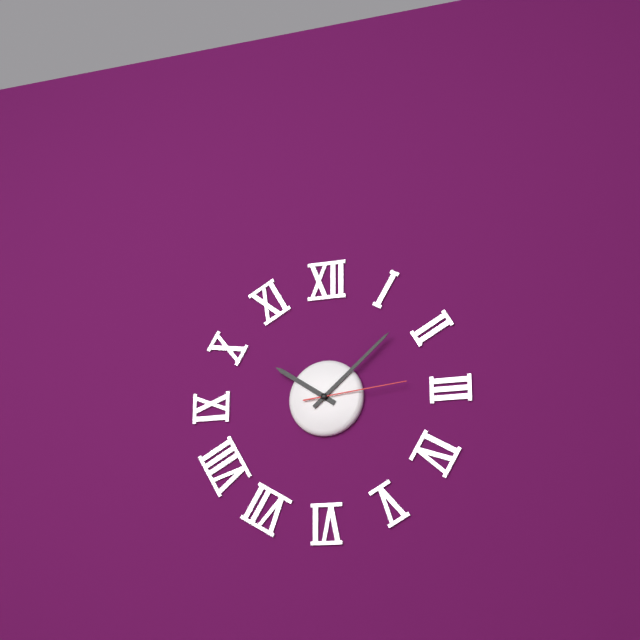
**10:08:14**
